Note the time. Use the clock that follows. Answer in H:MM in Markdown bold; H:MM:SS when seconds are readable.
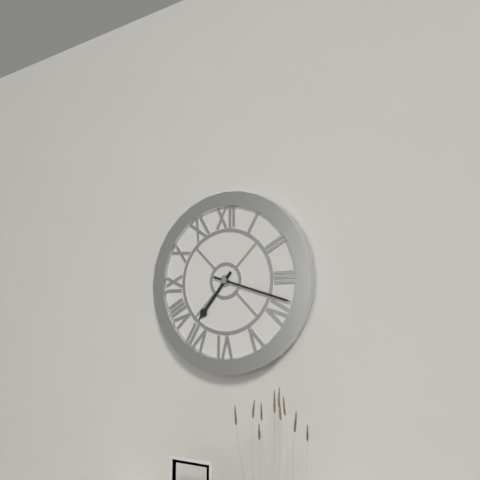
**7:18**
